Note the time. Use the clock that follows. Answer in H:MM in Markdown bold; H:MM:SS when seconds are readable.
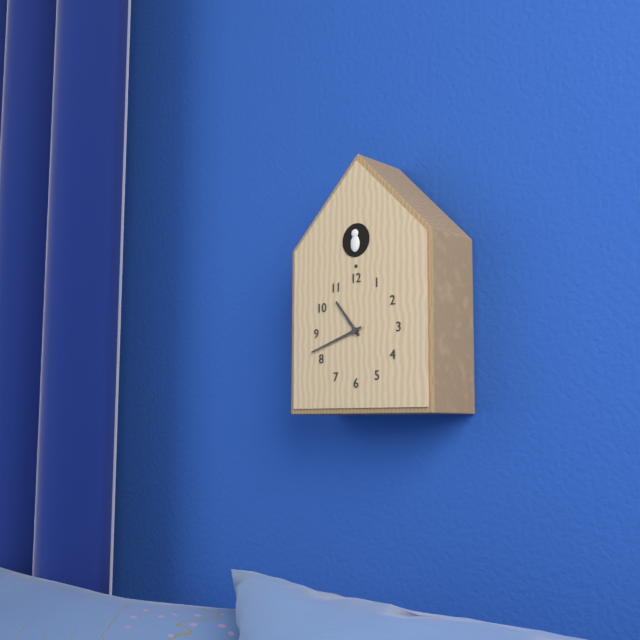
**10:42**
